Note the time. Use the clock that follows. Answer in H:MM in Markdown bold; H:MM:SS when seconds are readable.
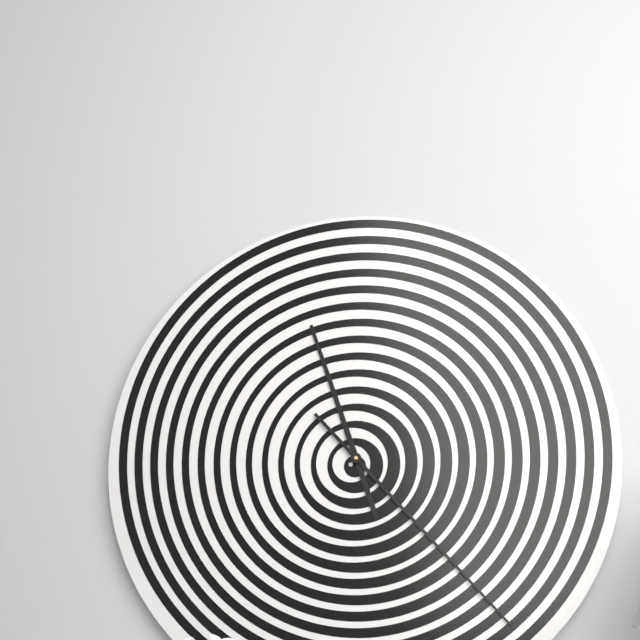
**11:23**
